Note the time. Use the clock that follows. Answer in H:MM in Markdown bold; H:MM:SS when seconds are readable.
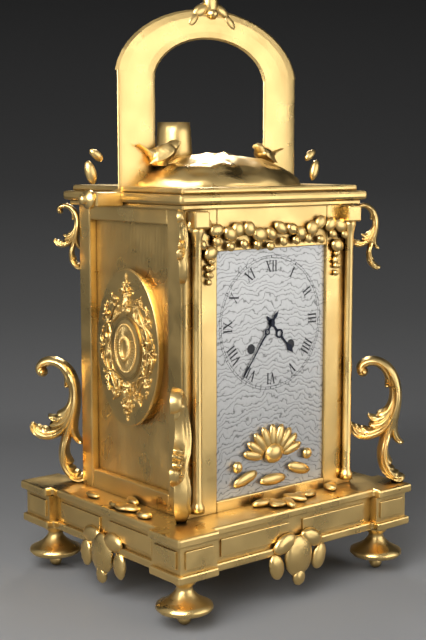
**4:36**
